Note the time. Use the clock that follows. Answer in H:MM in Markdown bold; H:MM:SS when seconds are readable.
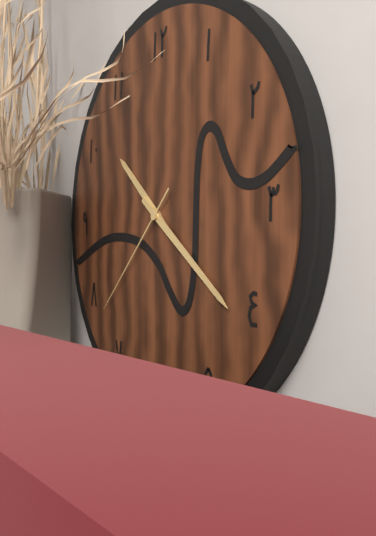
**10:21:38**
